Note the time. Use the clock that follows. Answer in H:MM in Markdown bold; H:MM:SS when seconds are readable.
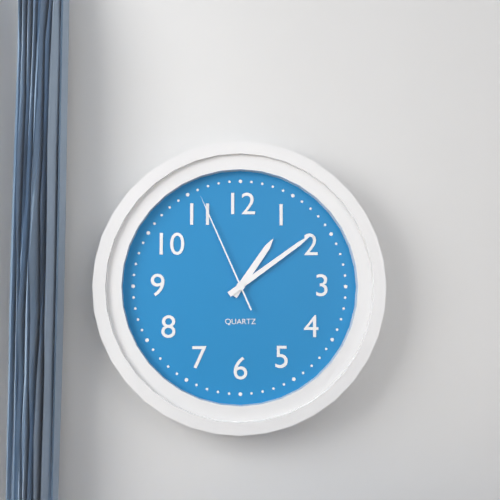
**1:09:56**
